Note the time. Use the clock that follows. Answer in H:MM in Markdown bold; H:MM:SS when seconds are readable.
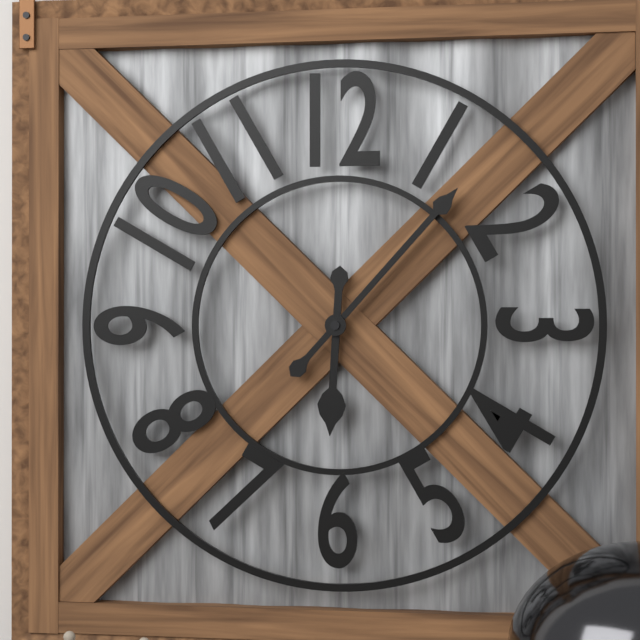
**6:07**
